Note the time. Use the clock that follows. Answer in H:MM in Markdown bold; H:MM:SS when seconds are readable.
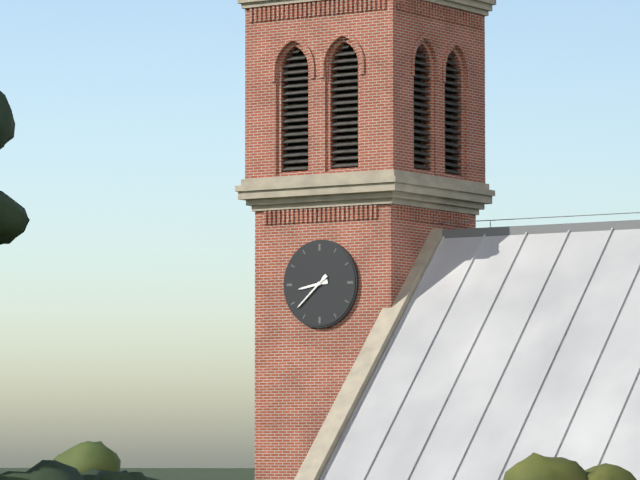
**8:38**
